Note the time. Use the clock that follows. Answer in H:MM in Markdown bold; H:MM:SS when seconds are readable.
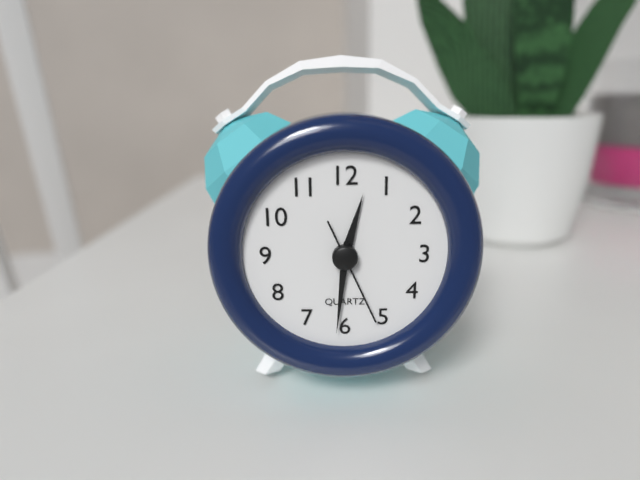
**12:31:26**
